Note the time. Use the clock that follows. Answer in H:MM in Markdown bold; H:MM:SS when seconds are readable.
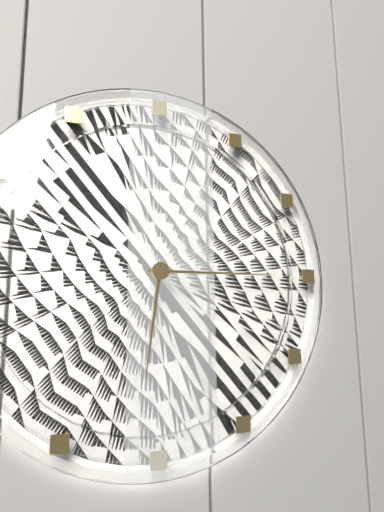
**6:15**
